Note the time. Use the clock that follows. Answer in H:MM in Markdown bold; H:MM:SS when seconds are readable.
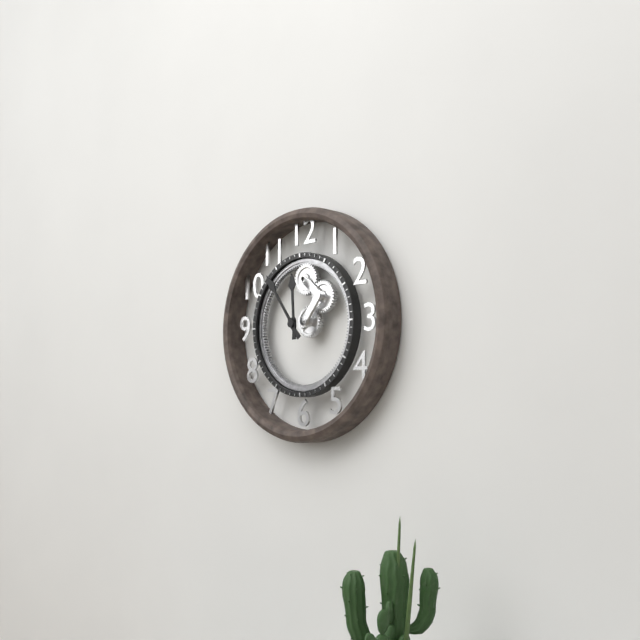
**11:54**
